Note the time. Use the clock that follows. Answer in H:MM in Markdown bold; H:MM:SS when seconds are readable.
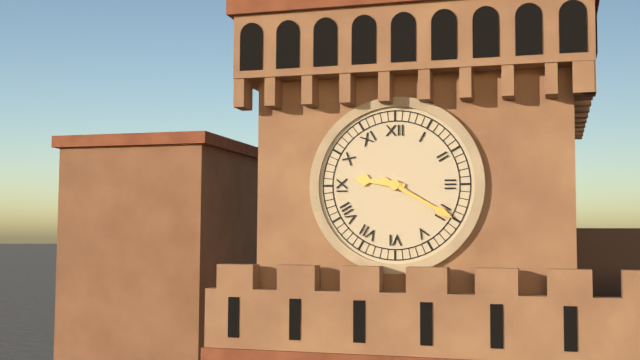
**9:20**
